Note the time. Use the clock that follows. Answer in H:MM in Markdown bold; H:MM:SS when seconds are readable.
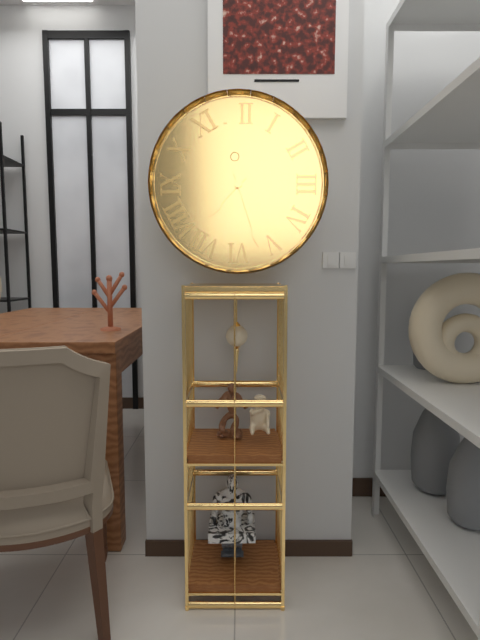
**7:27**
